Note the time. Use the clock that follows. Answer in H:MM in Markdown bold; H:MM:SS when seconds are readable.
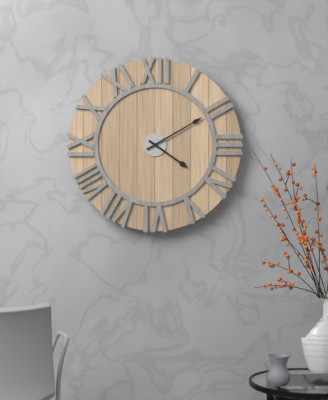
**4:10**
